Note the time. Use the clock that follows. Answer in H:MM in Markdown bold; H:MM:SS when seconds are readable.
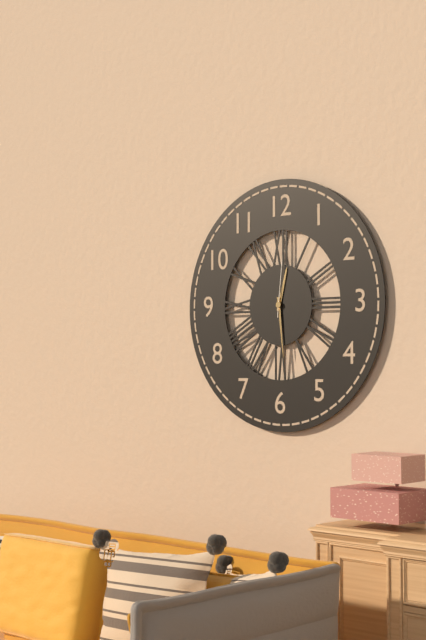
**12:29:01**
